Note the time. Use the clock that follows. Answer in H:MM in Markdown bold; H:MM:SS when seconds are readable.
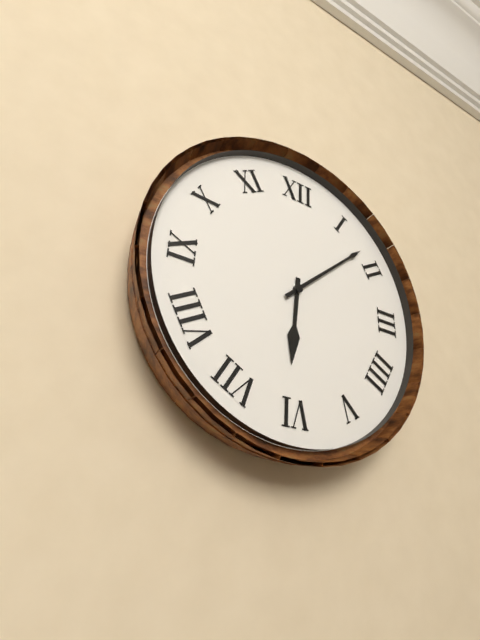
**6:08**
